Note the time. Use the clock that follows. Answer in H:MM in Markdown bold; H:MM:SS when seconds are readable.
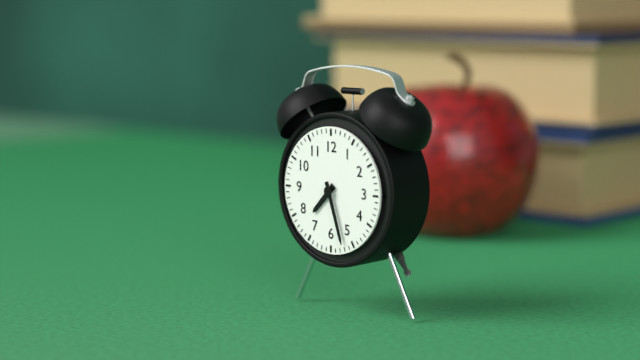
**7:27**
